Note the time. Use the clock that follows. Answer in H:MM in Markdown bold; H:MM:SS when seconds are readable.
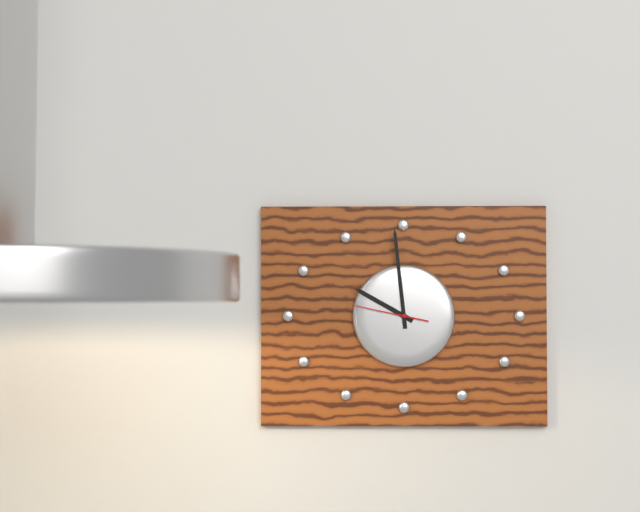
**9:59:47**
